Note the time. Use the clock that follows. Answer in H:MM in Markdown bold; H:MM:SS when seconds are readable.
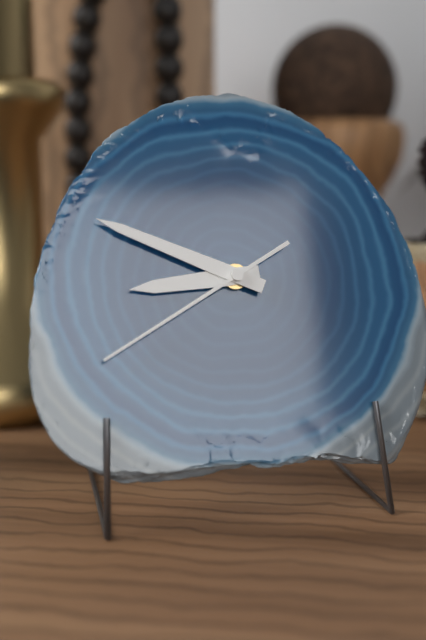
**8:49:40**
